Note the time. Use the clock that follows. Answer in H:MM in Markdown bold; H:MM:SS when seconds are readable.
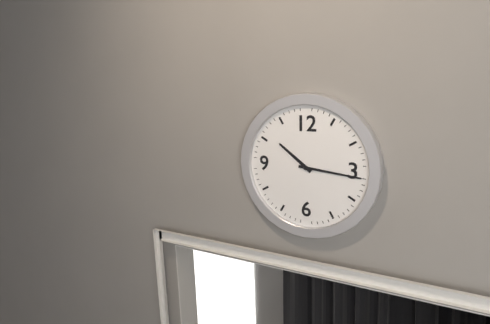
**10:16**
